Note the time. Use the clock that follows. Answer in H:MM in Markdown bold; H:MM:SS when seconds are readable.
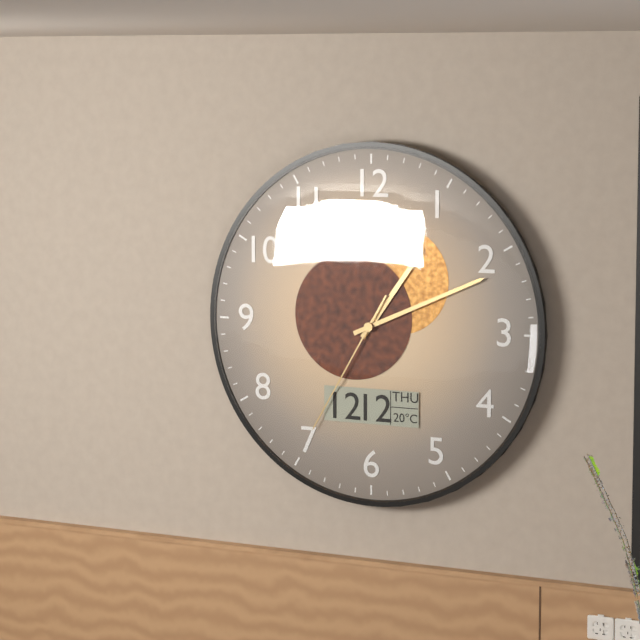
**1:11:35**
